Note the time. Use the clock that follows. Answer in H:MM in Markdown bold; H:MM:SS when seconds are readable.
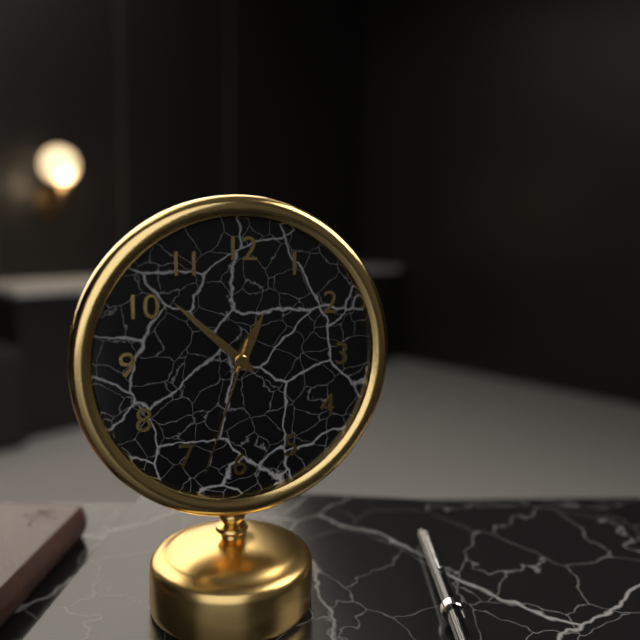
**12:52:33**
